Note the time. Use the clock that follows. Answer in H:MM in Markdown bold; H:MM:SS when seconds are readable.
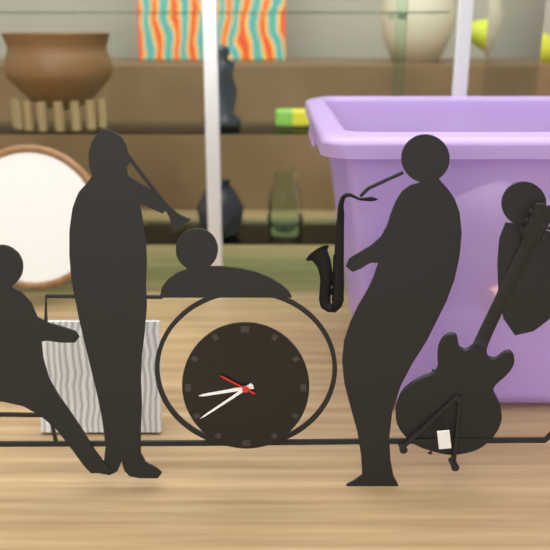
**8:39**
